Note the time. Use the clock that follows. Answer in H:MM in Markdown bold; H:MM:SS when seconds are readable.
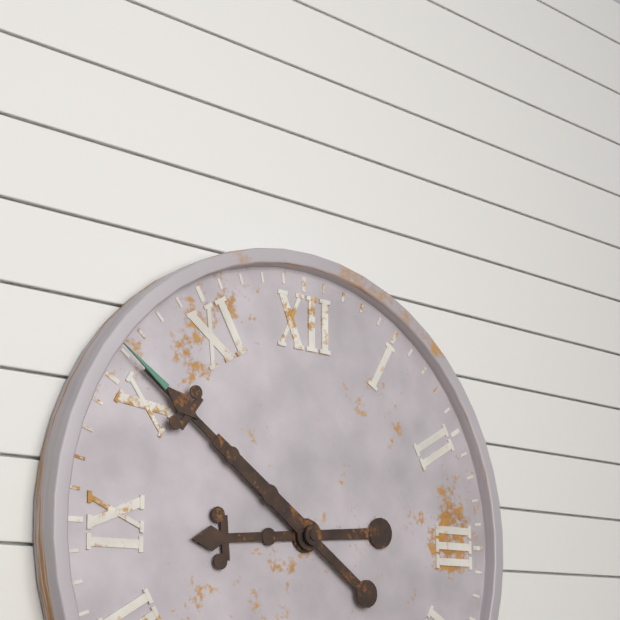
**8:51**
